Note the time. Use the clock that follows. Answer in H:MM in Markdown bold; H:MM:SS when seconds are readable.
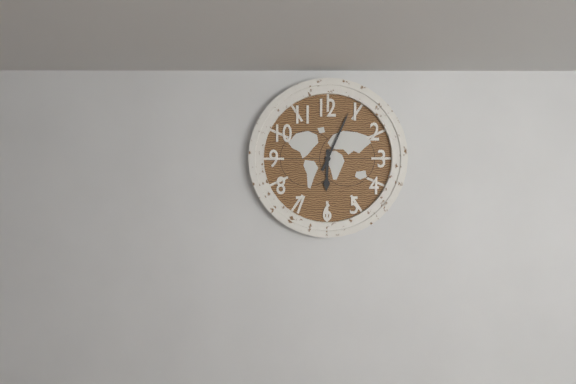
**6:04**
